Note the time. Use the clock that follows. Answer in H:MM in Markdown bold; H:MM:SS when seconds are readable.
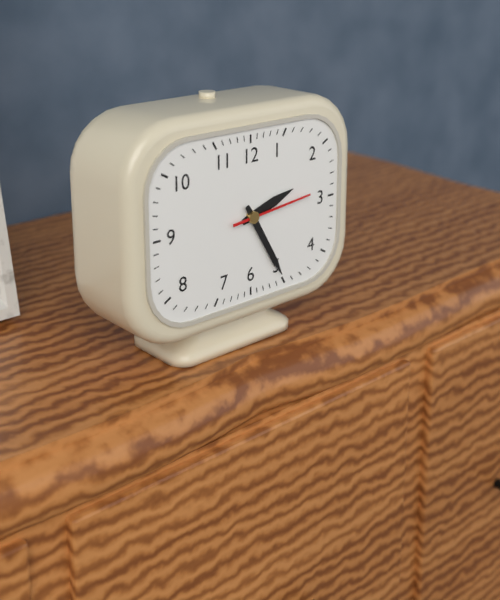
**2:25:14**
